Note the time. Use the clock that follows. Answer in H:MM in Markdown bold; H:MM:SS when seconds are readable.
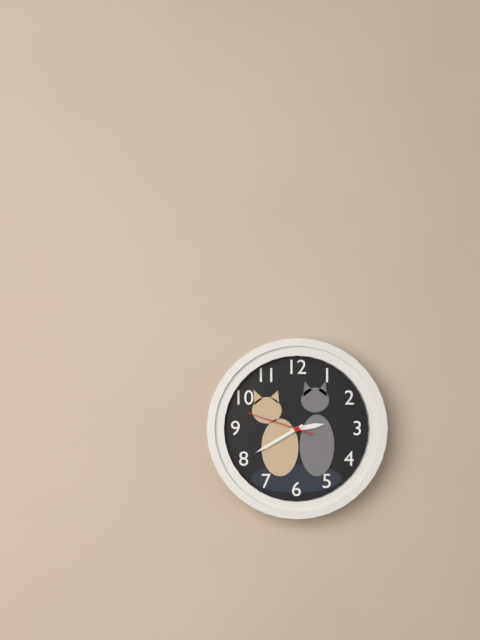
**2:40:48**
